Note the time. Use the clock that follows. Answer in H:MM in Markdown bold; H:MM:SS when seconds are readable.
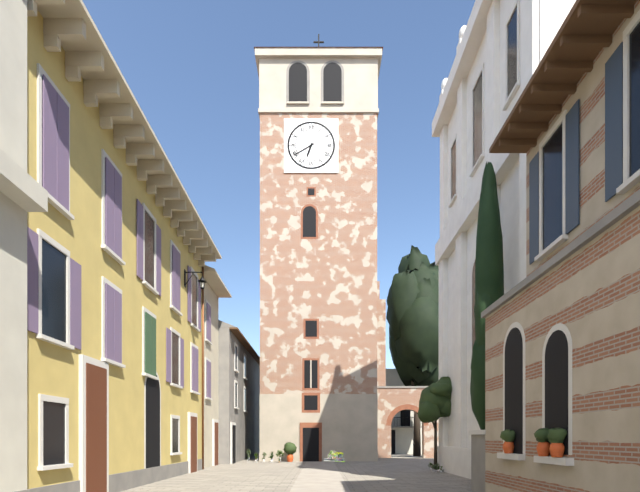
**6:40**
